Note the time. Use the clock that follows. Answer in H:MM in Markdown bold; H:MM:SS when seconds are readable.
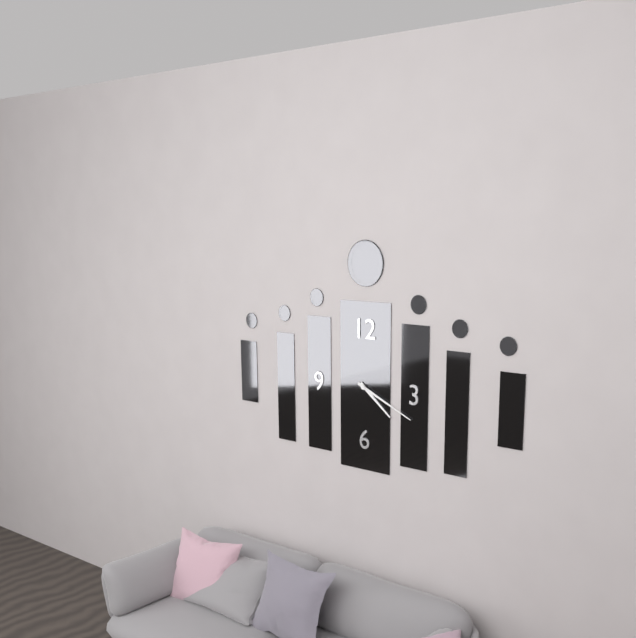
**4:19**
